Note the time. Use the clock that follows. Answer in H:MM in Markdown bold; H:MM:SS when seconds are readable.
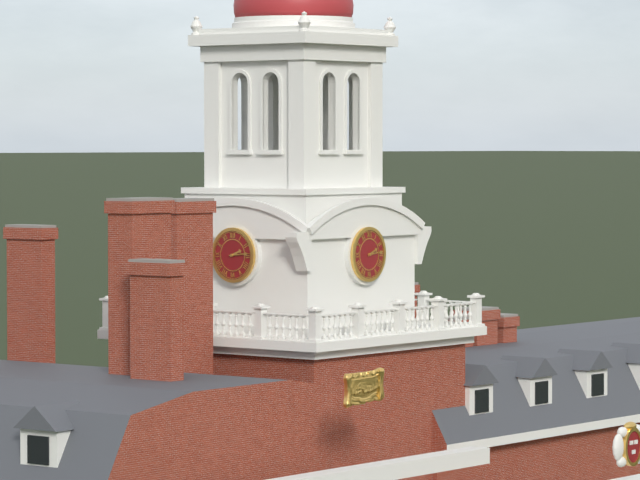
**2:14**
